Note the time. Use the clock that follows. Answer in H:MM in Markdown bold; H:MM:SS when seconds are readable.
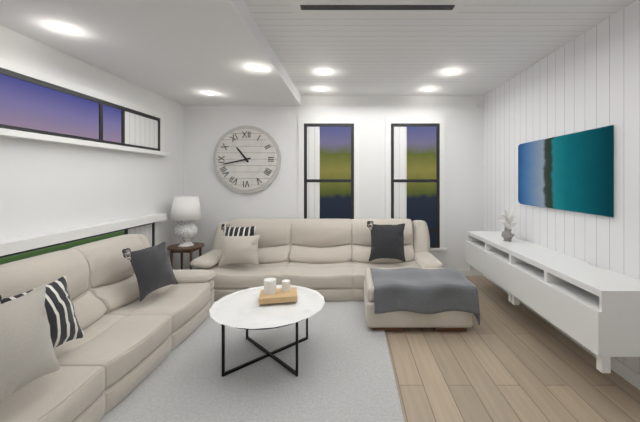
**10:43**
